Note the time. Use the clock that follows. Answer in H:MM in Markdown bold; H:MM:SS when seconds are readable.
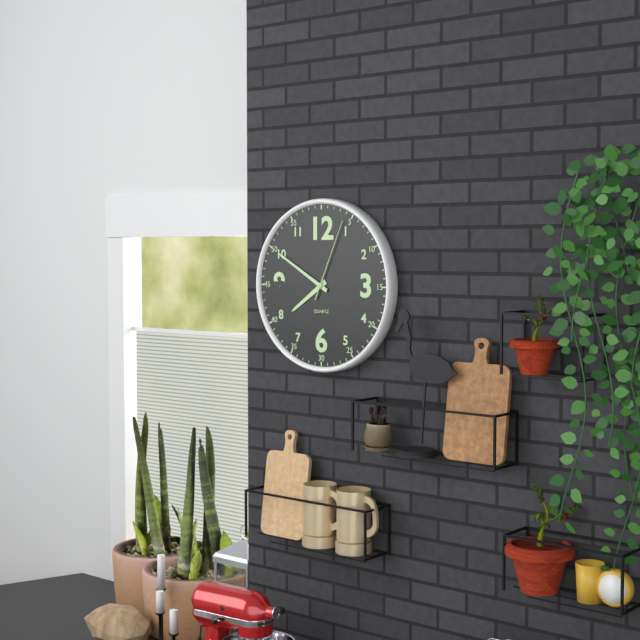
**7:50:04**
